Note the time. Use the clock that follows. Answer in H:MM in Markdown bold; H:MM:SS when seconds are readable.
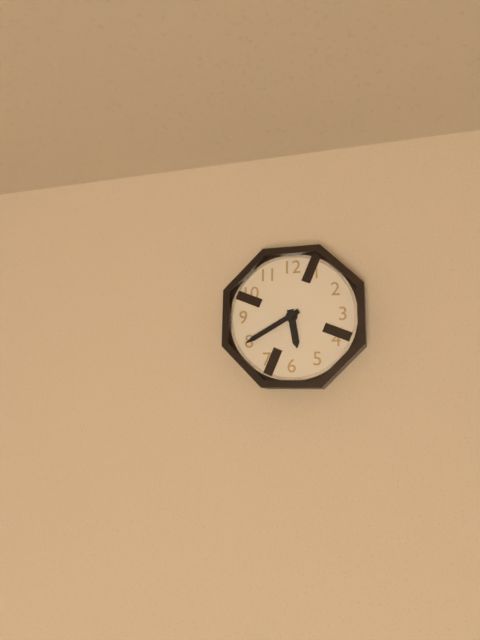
**5:40**
